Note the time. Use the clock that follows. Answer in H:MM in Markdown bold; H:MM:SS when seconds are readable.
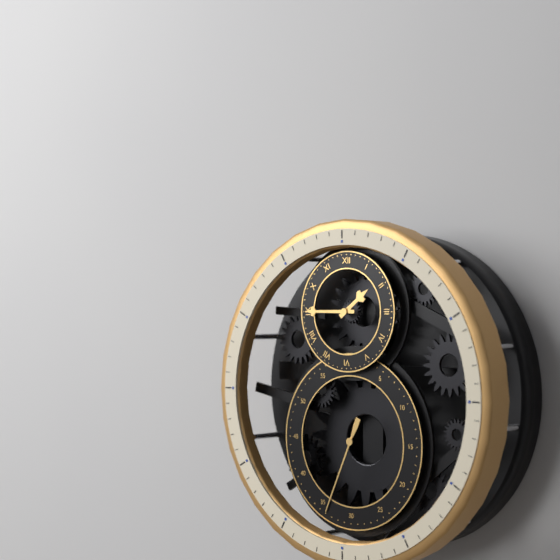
**1:45:34**
